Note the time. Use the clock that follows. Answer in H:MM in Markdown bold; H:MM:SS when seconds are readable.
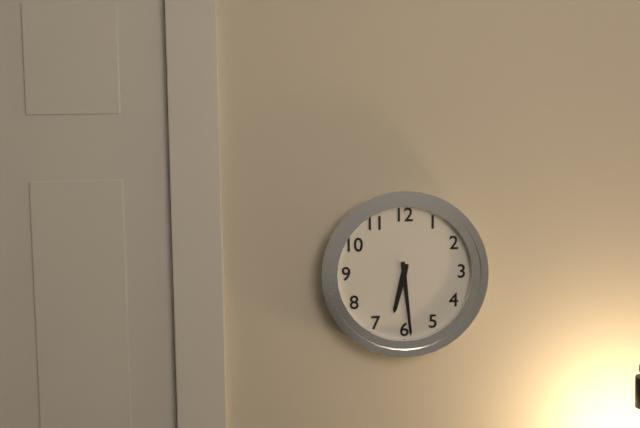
**6:29**
